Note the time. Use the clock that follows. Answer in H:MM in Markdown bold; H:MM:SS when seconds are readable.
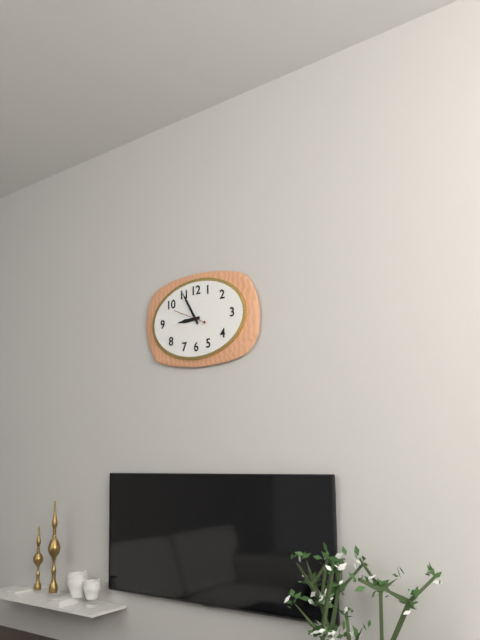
**8:55**
